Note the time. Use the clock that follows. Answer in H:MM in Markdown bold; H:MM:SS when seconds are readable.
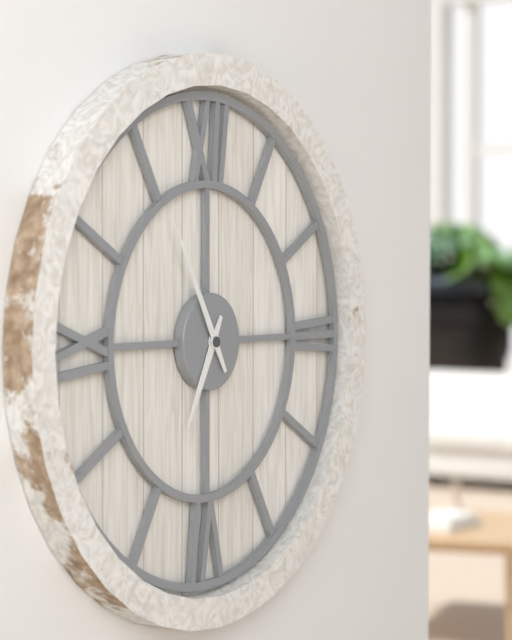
**6:55**
